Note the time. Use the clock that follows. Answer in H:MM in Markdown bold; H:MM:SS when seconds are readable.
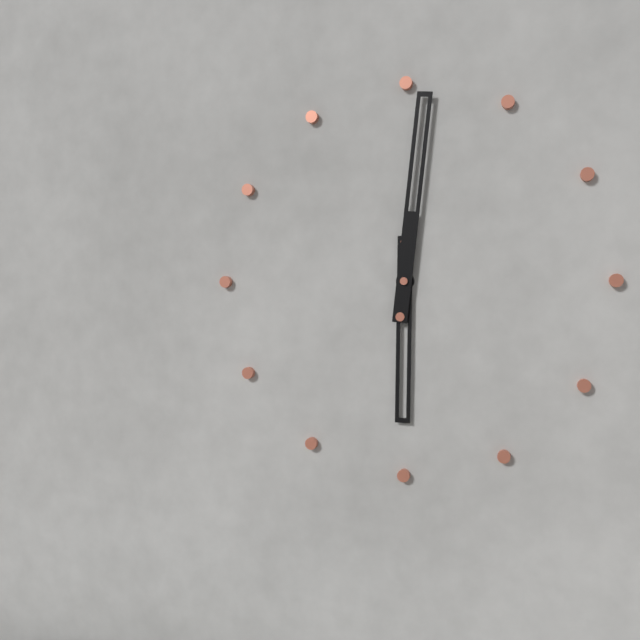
**6:01**
